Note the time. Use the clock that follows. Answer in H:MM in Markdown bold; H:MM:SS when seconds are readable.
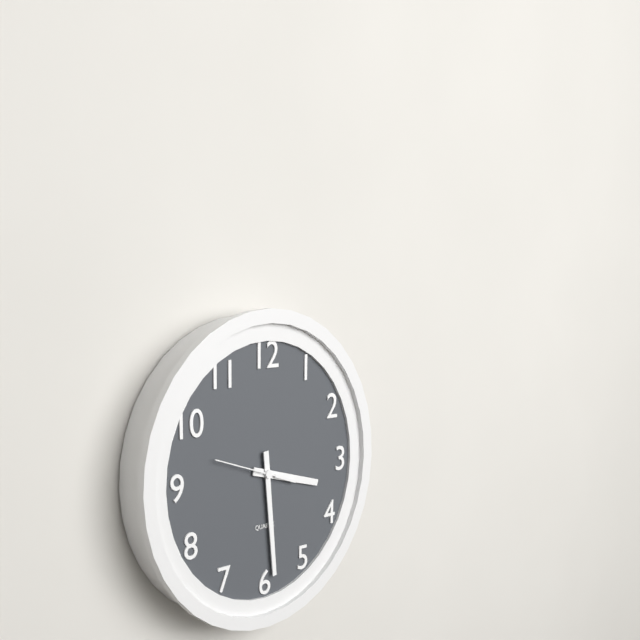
**3:29:48**
